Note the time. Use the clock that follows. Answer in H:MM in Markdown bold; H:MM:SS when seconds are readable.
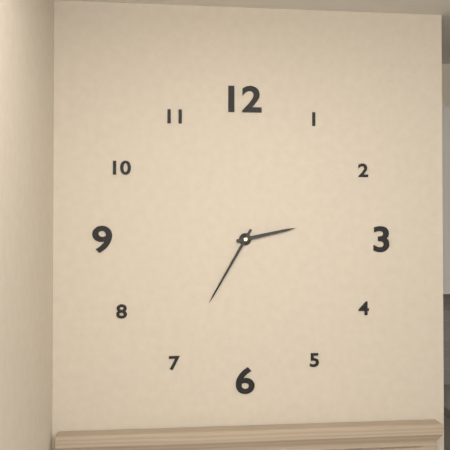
**2:35**
